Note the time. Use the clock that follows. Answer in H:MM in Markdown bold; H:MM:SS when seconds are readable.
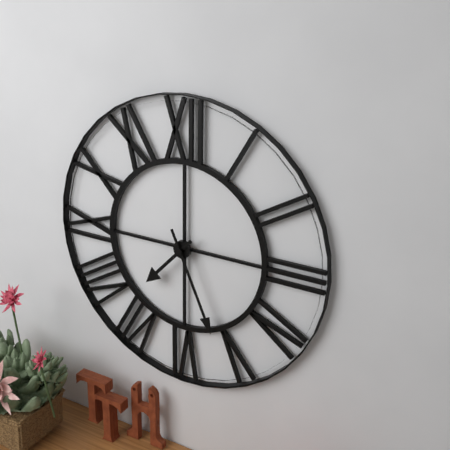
**7:26**
